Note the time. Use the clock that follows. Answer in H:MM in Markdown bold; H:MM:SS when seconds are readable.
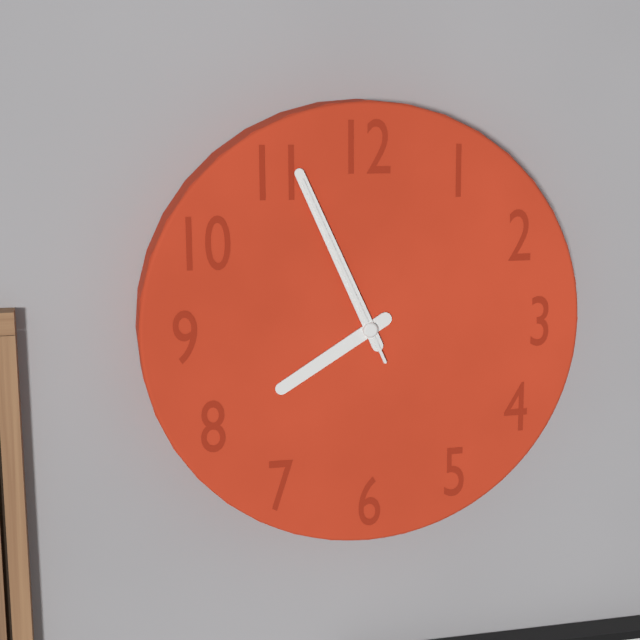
**7:56:56**
